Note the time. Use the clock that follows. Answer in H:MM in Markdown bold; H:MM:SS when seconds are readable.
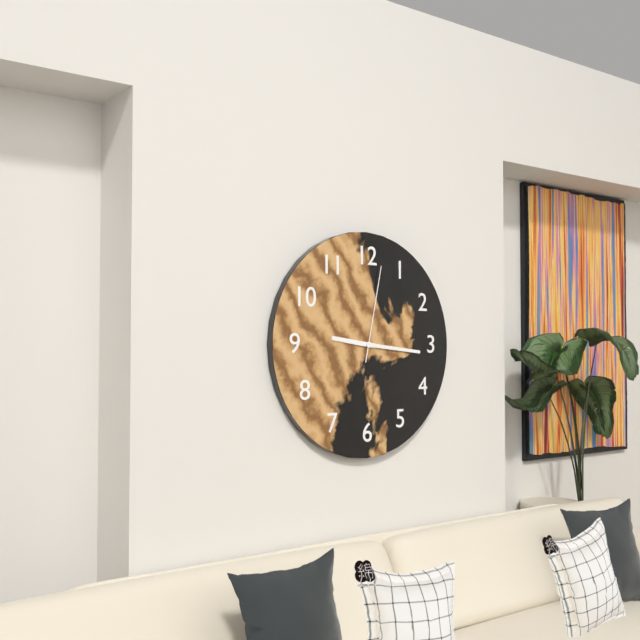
**9:16:02**
